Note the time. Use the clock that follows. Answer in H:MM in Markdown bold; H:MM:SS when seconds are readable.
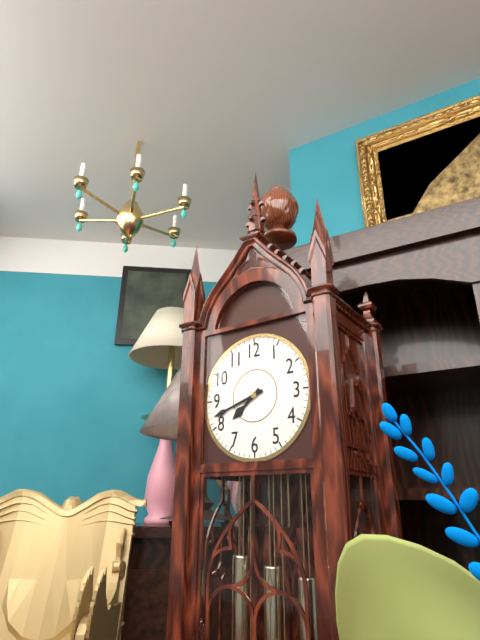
**7:42**
